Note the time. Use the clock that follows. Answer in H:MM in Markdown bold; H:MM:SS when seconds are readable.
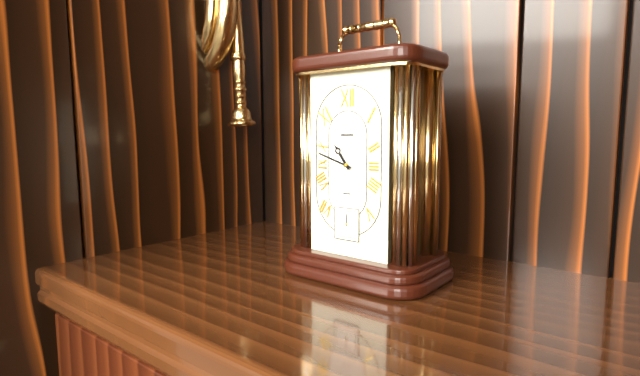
**10:48**
